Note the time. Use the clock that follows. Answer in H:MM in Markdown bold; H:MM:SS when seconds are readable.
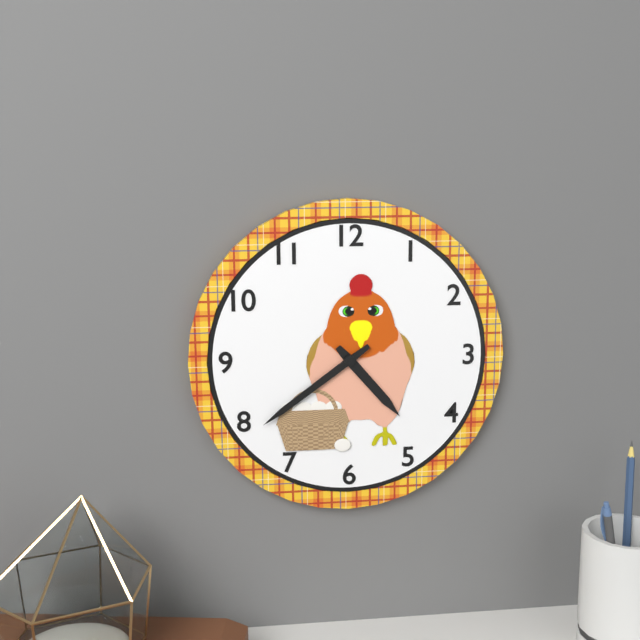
**4:39**
